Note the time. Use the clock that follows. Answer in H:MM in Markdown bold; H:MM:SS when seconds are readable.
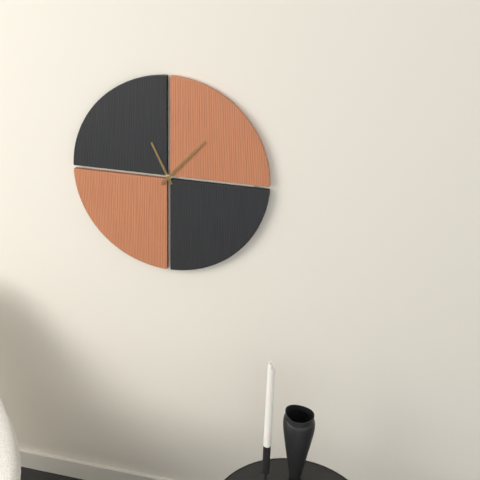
**11:07**
